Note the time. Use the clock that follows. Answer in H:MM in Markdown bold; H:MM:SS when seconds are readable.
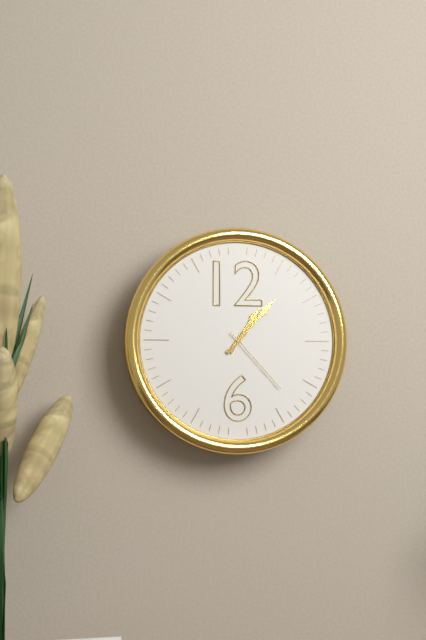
**1:07:23**
